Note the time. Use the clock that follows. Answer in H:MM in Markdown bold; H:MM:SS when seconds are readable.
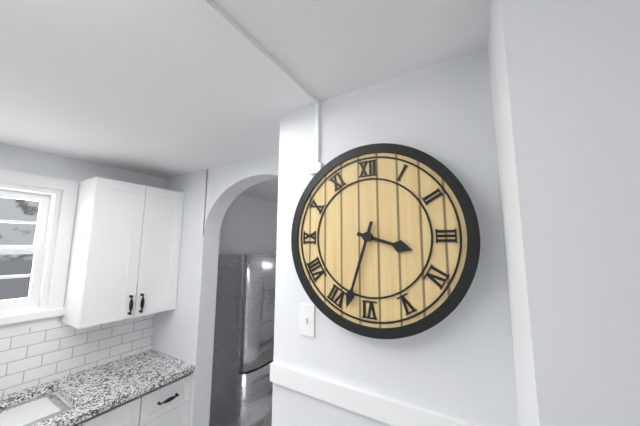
**3:33**
